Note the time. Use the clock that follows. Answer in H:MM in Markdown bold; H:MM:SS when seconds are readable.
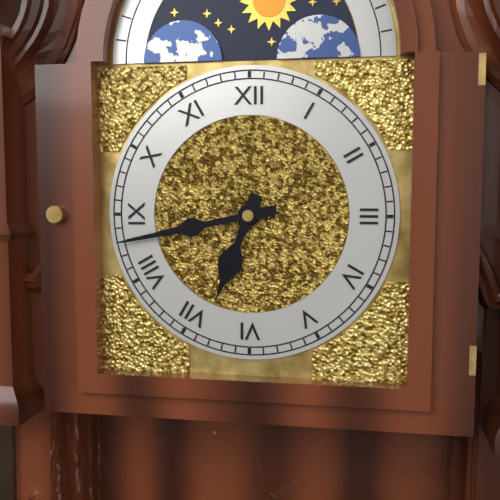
**6:43**
